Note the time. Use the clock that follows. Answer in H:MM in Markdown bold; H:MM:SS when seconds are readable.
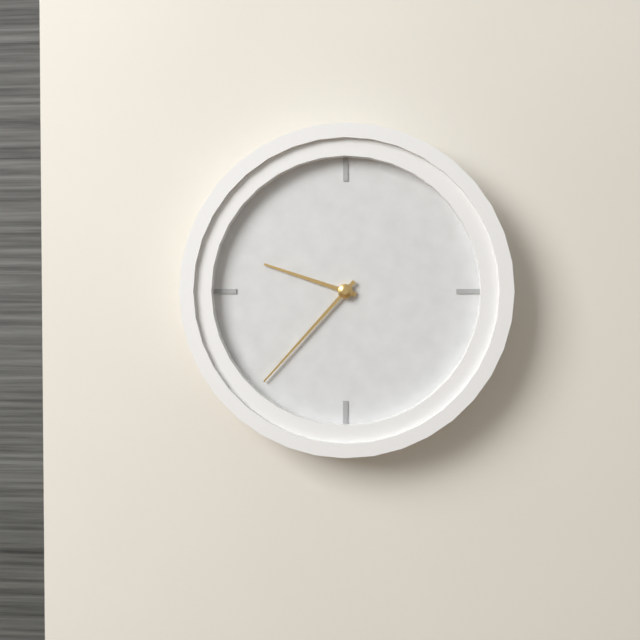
**9:37**
